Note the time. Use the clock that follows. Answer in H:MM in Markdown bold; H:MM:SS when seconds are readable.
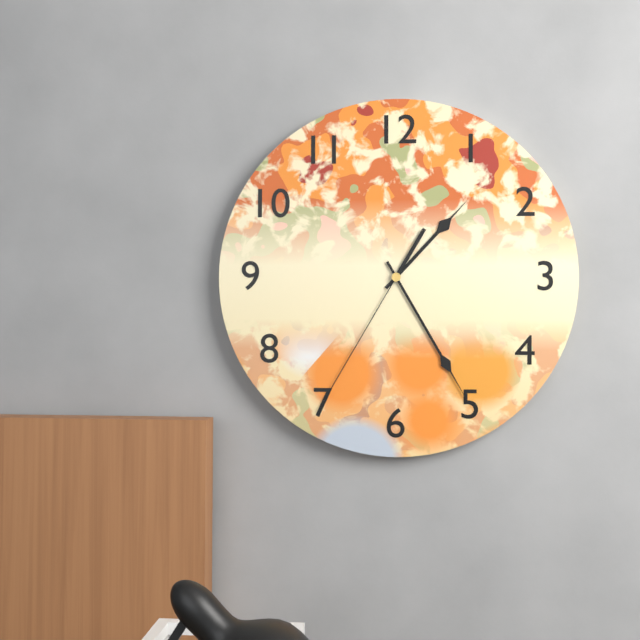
**1:25:35**
